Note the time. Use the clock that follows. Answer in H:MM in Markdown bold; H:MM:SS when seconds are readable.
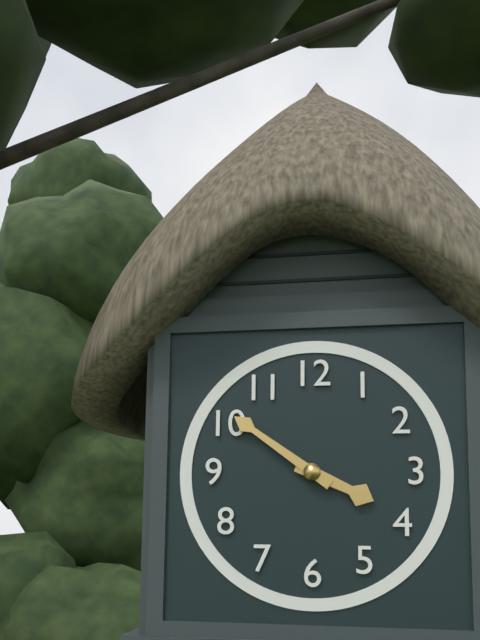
**3:51**
